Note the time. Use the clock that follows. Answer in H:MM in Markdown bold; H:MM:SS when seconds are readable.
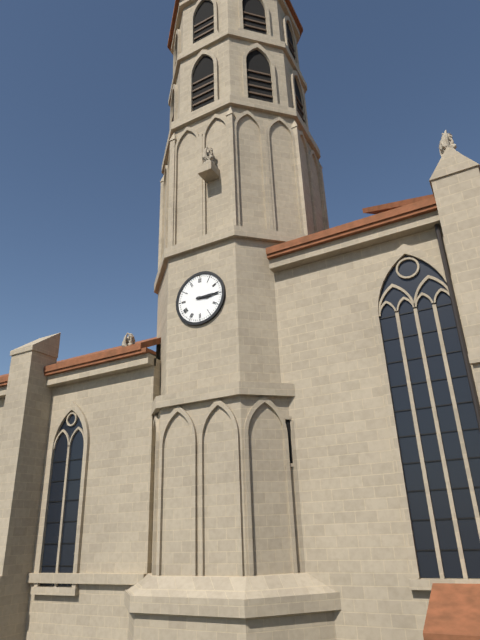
**3:15**
